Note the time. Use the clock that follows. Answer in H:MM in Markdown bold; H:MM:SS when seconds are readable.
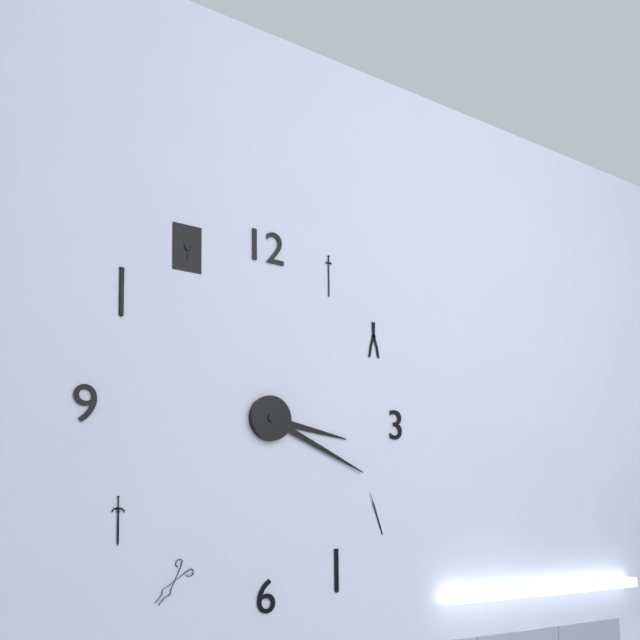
**3:19**
